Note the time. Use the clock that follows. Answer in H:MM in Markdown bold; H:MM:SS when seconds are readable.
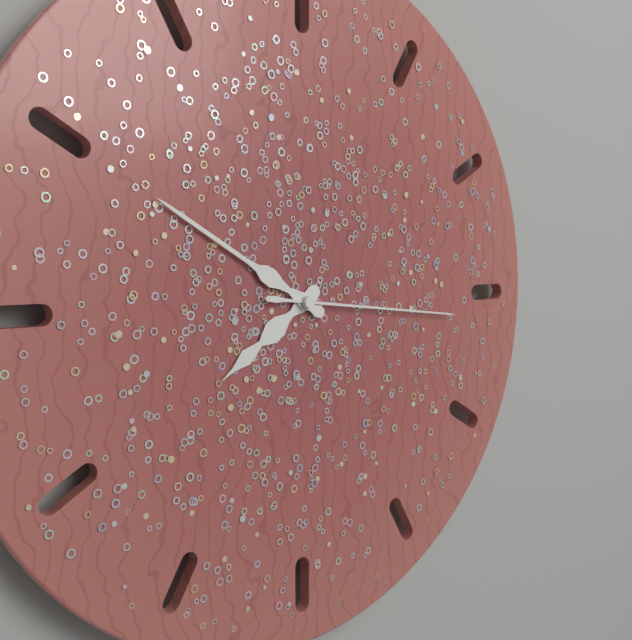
**7:50:16**
